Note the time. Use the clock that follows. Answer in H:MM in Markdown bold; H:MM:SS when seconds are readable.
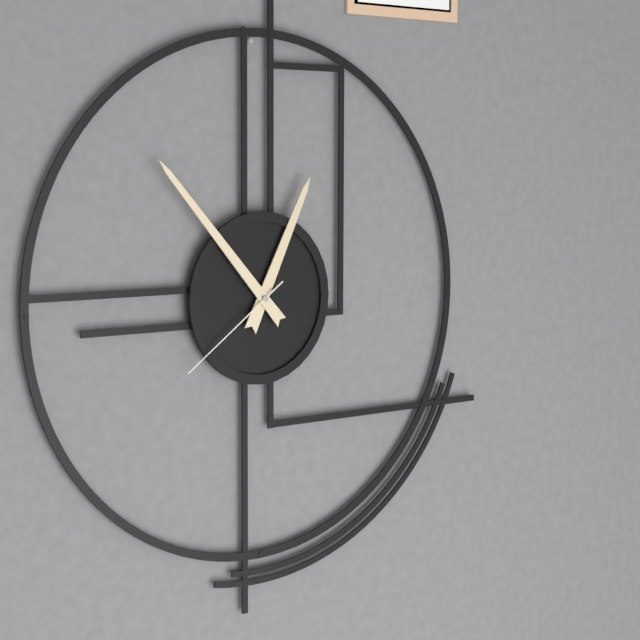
**12:53:39**
